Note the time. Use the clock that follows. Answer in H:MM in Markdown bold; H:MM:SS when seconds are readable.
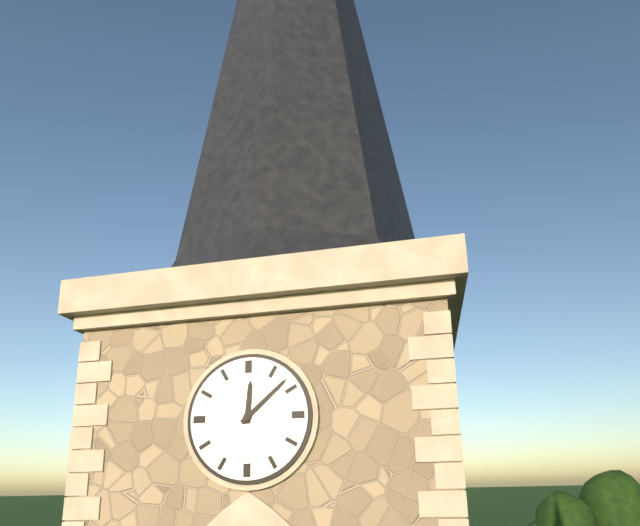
**12:08**
